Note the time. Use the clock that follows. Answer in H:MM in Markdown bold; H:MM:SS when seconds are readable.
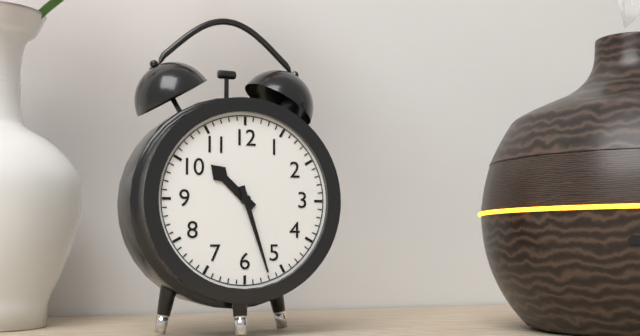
**10:27**
